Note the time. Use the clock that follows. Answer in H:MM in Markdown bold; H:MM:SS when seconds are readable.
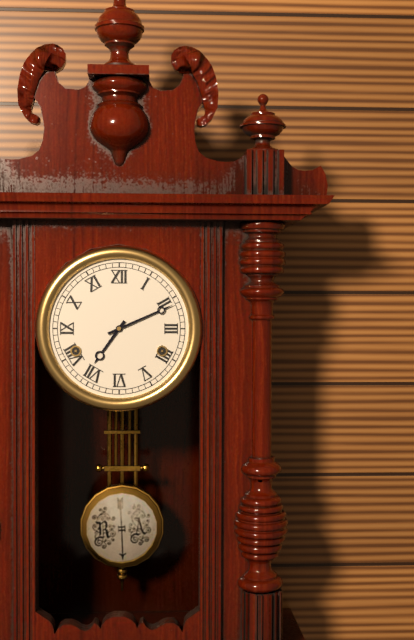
**7:11**
